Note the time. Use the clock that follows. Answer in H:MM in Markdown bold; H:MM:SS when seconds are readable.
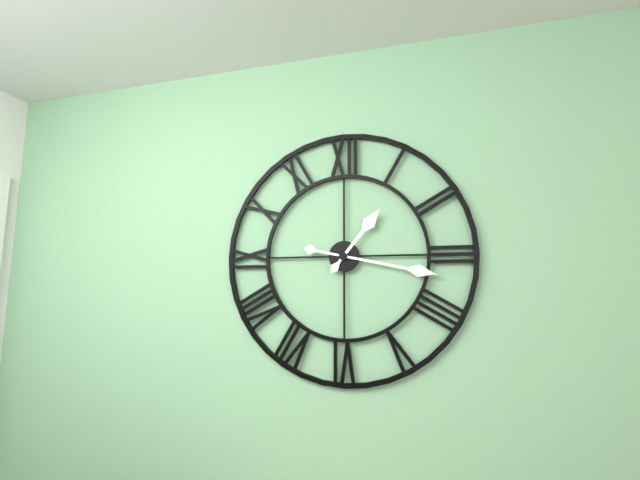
**1:17**
